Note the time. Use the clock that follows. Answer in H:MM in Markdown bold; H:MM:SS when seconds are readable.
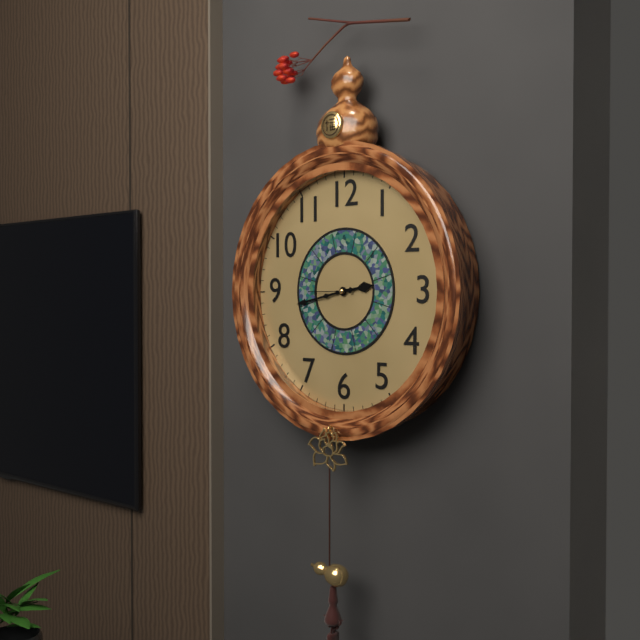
**2:43:45**
